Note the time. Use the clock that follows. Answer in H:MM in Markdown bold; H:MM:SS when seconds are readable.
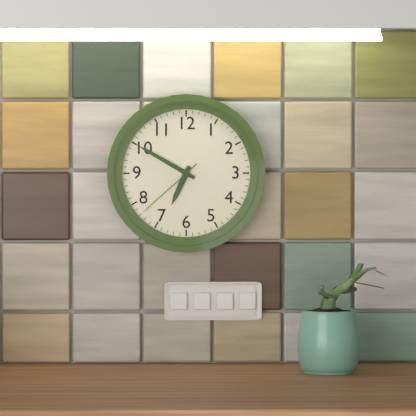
**6:50:38**
